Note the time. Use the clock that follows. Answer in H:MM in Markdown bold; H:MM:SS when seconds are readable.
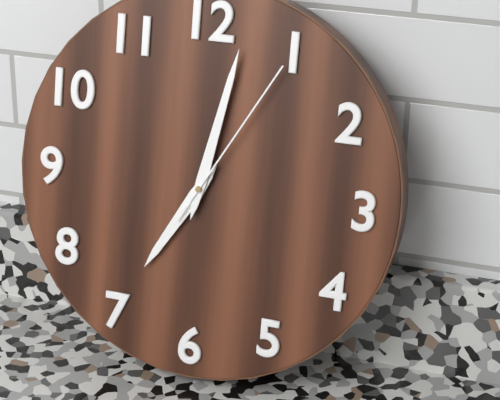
**7:02:05**
